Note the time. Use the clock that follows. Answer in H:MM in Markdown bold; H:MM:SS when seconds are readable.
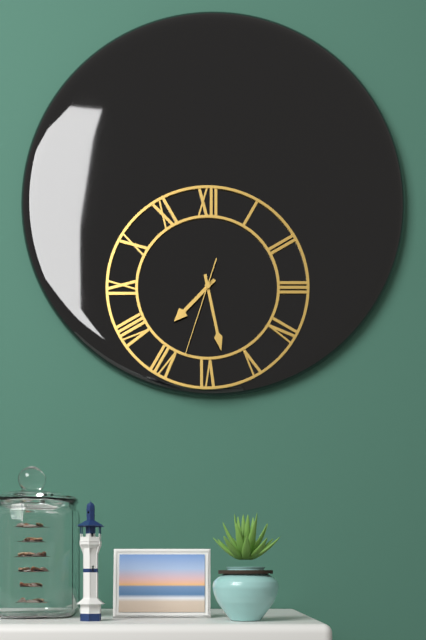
**7:28:33**
